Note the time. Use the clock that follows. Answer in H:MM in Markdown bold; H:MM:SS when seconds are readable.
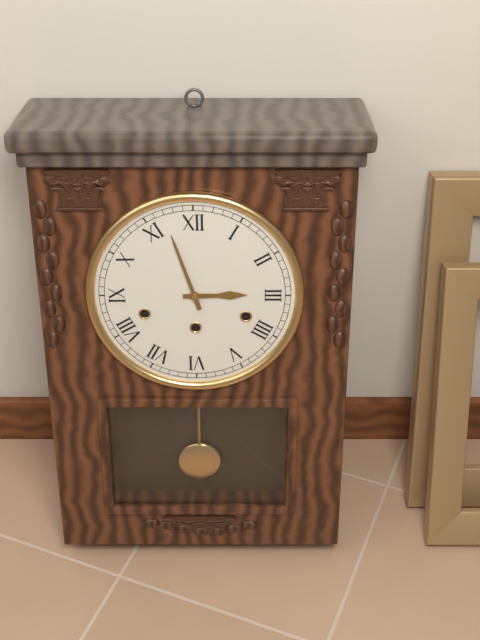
**2:57**
